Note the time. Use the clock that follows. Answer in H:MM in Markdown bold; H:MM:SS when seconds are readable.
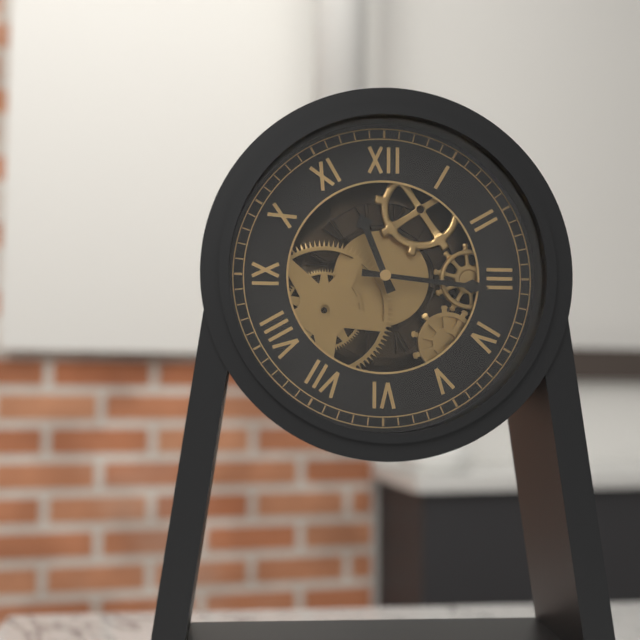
**11:16**
